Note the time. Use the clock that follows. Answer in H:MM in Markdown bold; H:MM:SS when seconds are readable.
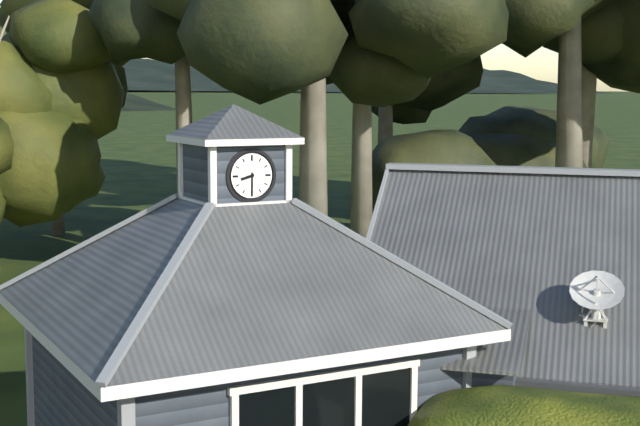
**8:30**
